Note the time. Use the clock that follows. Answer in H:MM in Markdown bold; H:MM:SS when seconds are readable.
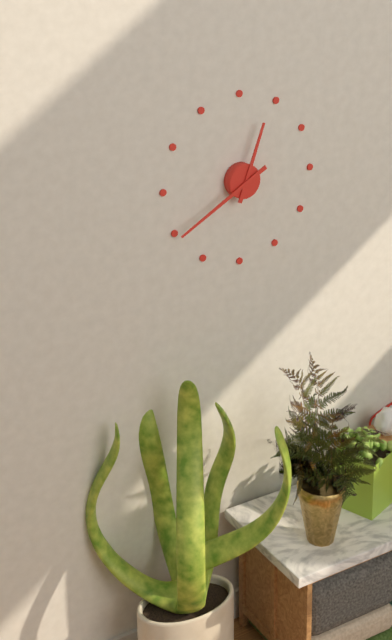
**12:40**
